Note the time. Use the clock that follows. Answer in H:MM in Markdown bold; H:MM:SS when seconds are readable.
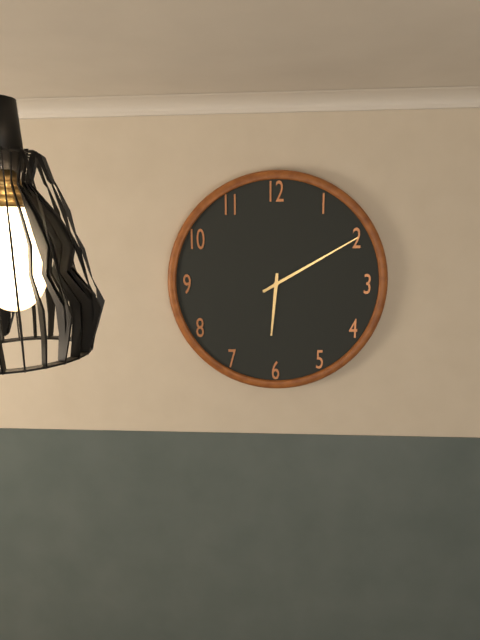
**6:10**
